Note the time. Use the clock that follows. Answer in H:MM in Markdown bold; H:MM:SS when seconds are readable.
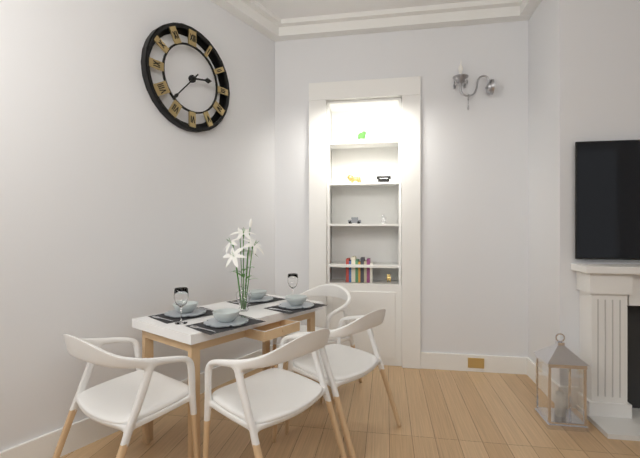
**2:37**
